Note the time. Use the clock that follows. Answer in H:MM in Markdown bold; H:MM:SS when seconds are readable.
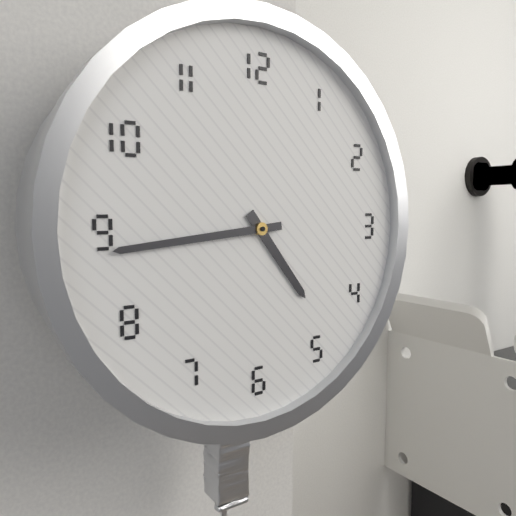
**4:44**
